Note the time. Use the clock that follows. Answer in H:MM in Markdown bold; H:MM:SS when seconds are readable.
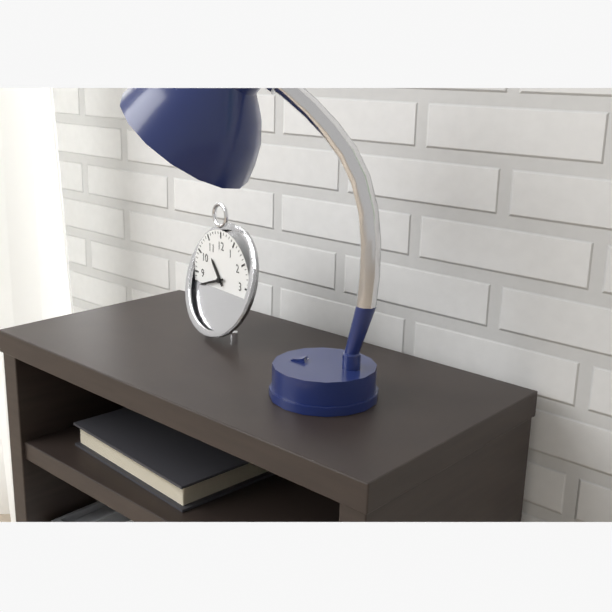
**10:42**
